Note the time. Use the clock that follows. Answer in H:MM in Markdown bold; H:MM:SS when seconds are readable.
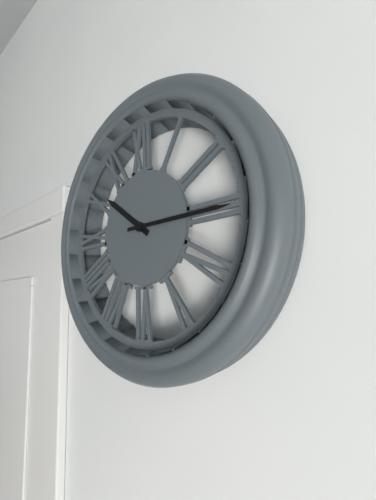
**10:15**
